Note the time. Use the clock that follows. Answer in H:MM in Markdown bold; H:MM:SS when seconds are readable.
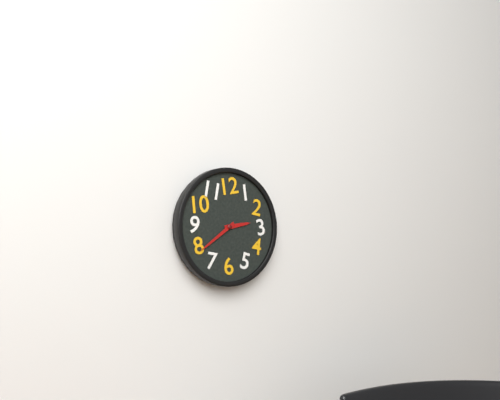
**2:39**
